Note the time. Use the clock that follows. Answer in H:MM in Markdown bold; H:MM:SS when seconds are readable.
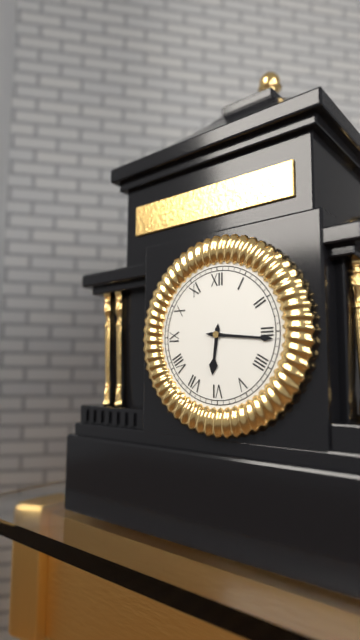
**6:16**
